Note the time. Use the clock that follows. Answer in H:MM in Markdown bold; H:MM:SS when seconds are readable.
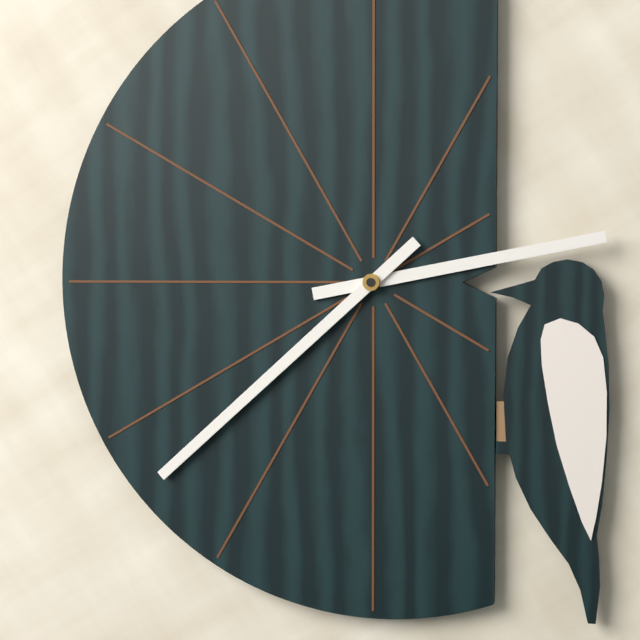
**2:38**
